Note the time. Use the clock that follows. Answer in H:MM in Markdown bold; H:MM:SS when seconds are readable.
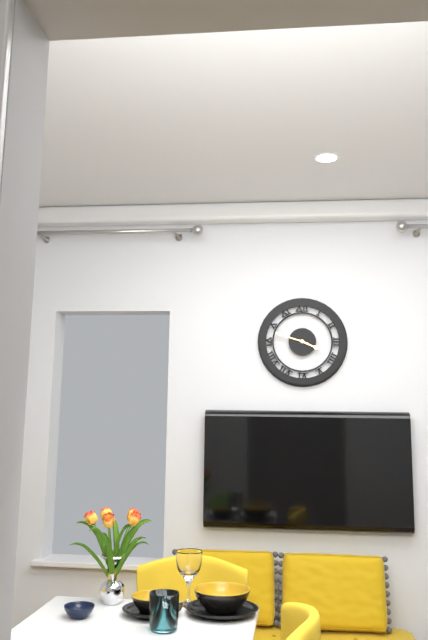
**3:48**
